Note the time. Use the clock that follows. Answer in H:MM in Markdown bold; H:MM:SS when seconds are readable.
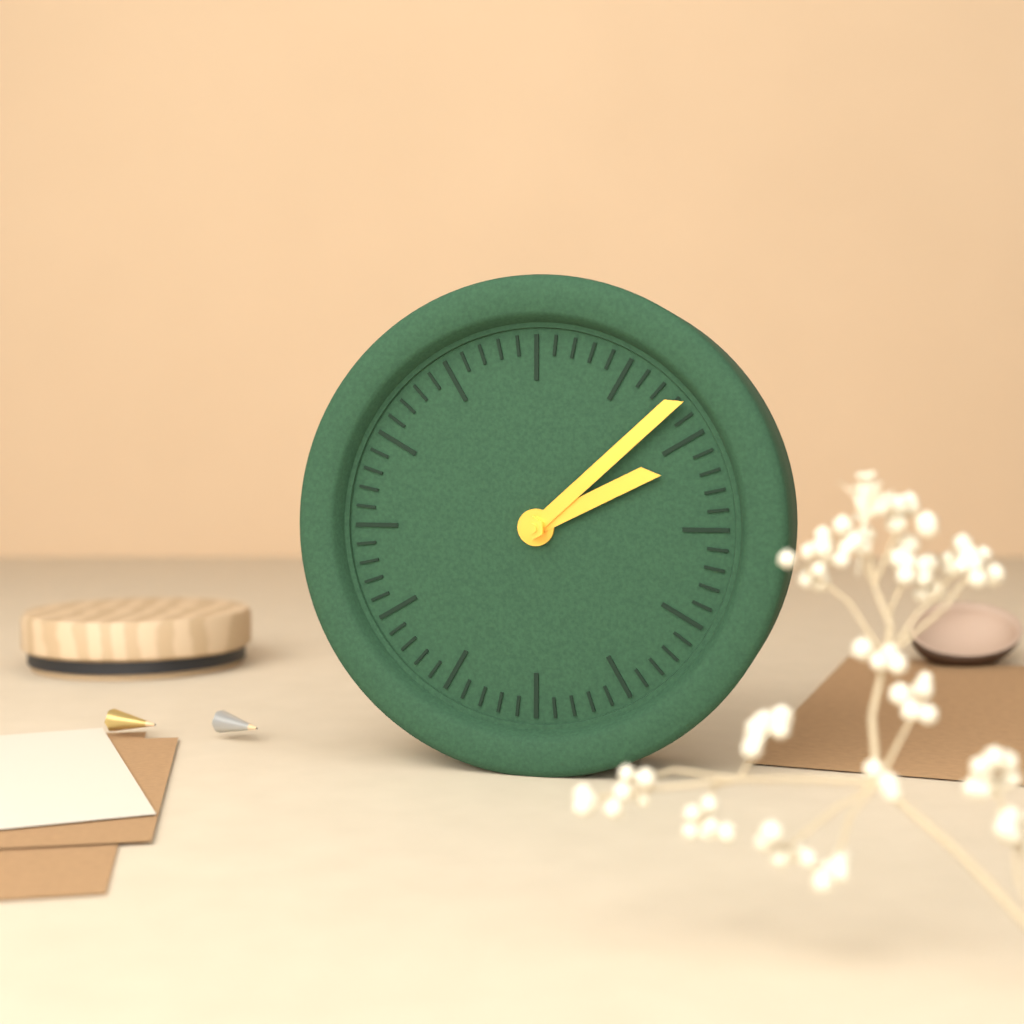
**2:08**
